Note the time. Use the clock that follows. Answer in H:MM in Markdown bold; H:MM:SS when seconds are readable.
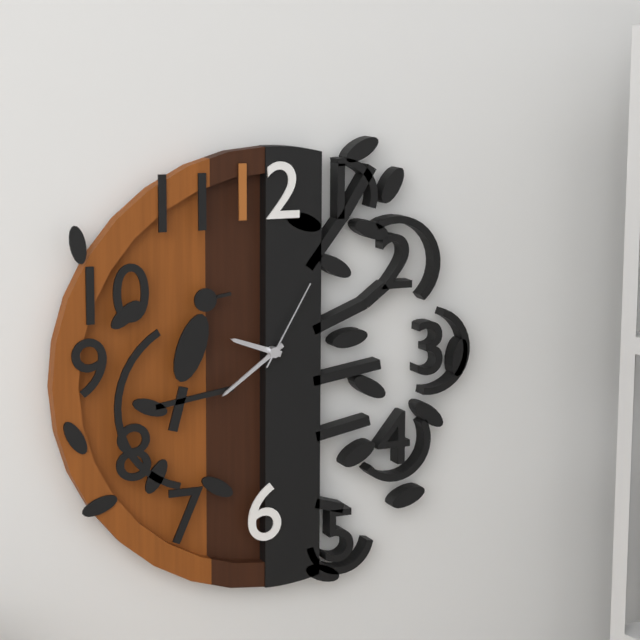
**9:39:05**
